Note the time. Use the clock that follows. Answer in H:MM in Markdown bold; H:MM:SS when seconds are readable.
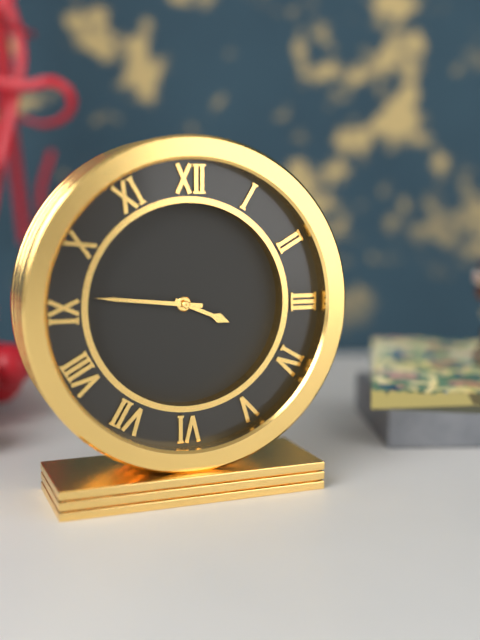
**3:46**
